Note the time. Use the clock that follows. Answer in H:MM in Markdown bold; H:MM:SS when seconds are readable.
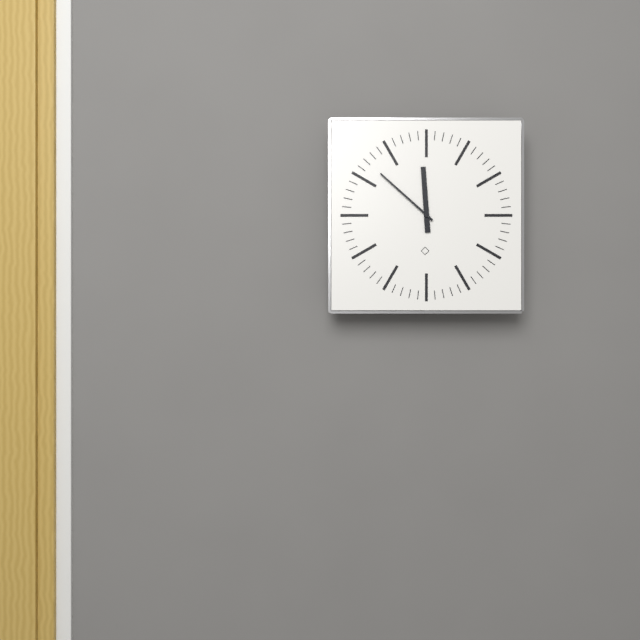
**11:52**
